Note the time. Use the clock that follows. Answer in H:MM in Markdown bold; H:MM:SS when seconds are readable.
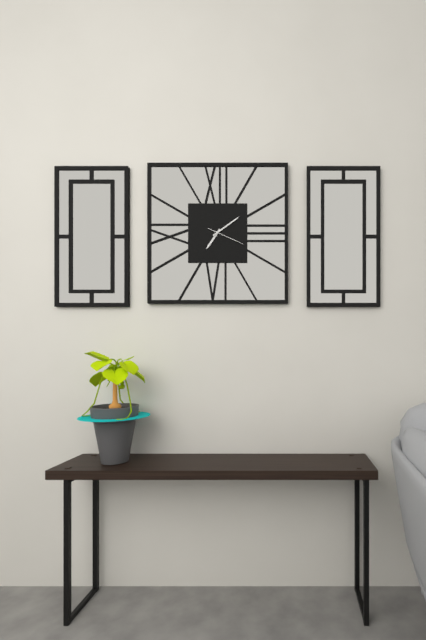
**7:09**
